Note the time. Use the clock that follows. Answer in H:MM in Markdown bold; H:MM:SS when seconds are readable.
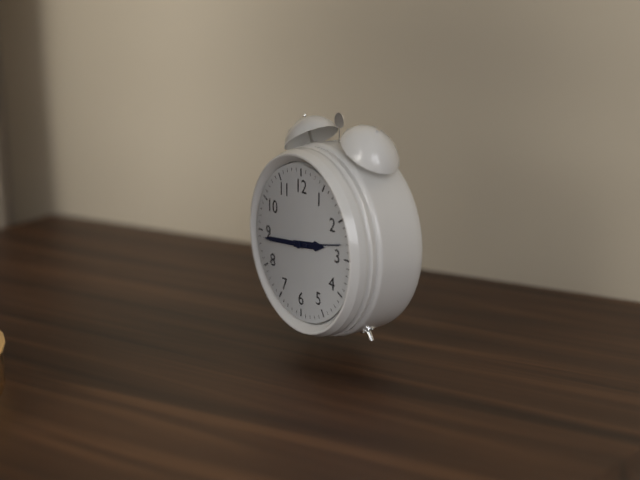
**2:44:13**
